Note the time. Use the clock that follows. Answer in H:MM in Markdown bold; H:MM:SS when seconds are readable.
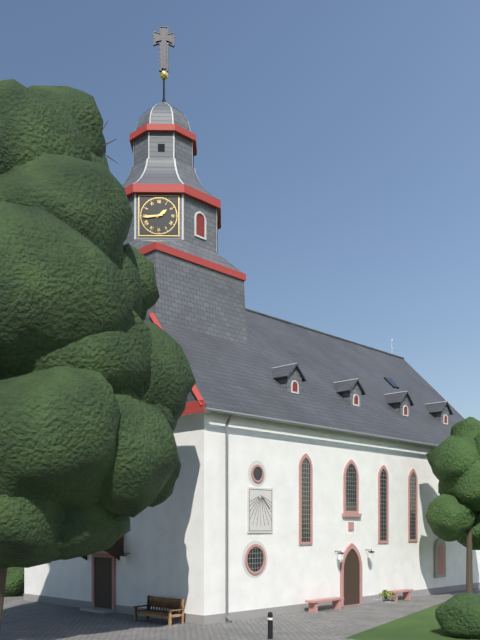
**1:44**
